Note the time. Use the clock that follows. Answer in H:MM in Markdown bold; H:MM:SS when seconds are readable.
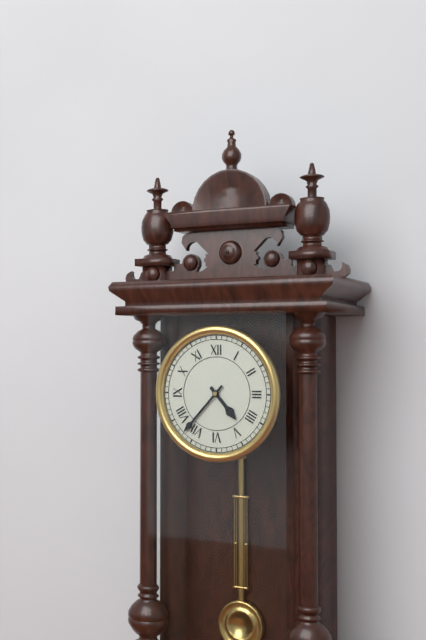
**4:37**
